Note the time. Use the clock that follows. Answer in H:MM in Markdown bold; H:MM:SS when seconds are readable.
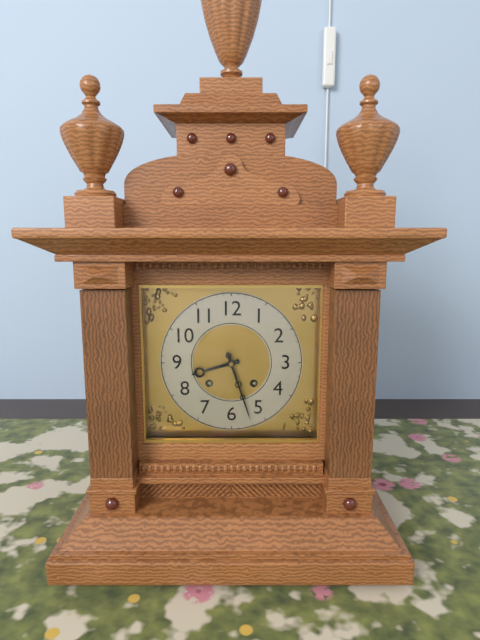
**8:27**
